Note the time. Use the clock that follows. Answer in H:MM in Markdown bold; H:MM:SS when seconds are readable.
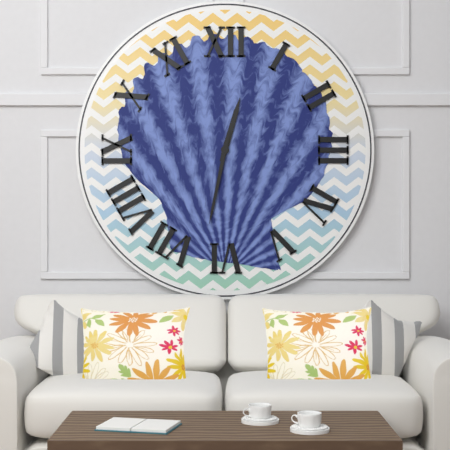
**12:32**
